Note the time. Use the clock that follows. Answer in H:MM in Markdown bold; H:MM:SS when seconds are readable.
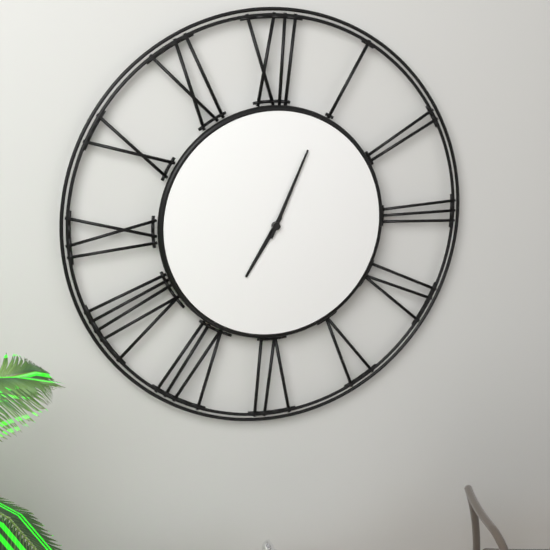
**7:04**
